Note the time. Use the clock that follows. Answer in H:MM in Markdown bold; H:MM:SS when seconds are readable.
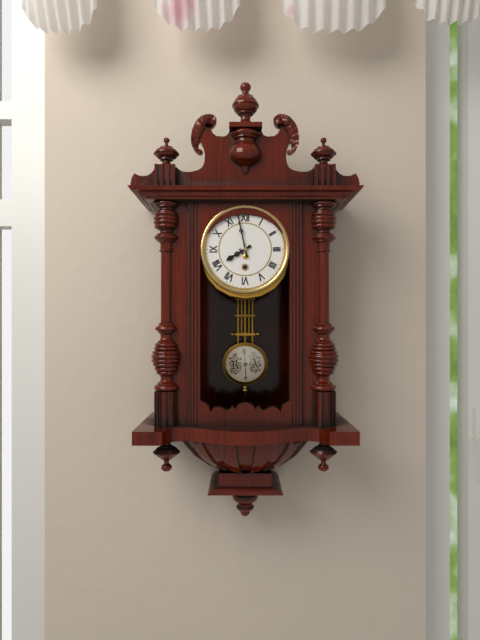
**7:58**
